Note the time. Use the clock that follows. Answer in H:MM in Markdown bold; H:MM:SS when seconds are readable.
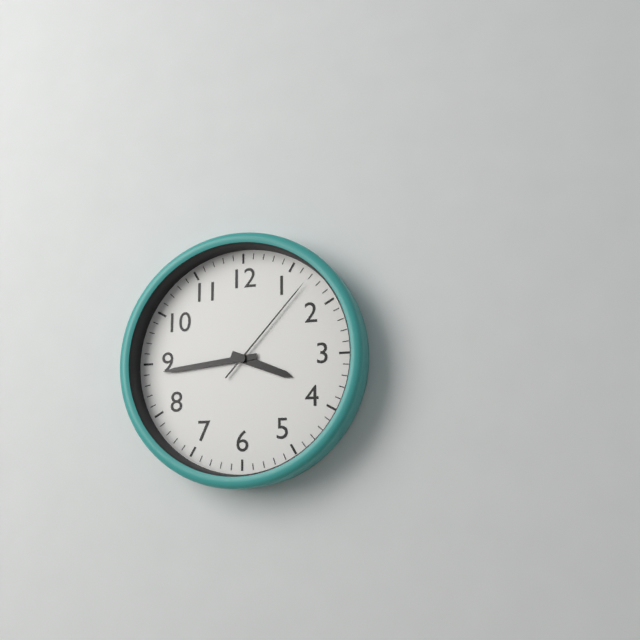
**3:44:07**
